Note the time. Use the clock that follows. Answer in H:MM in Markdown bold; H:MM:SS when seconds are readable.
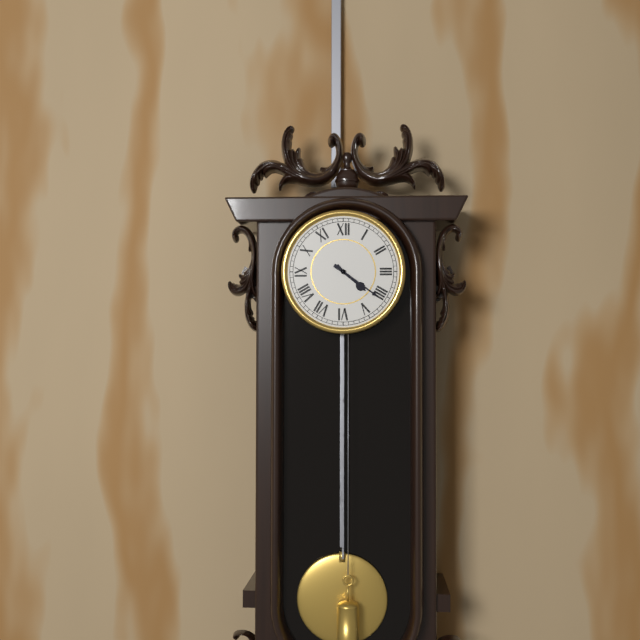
**4:21**
